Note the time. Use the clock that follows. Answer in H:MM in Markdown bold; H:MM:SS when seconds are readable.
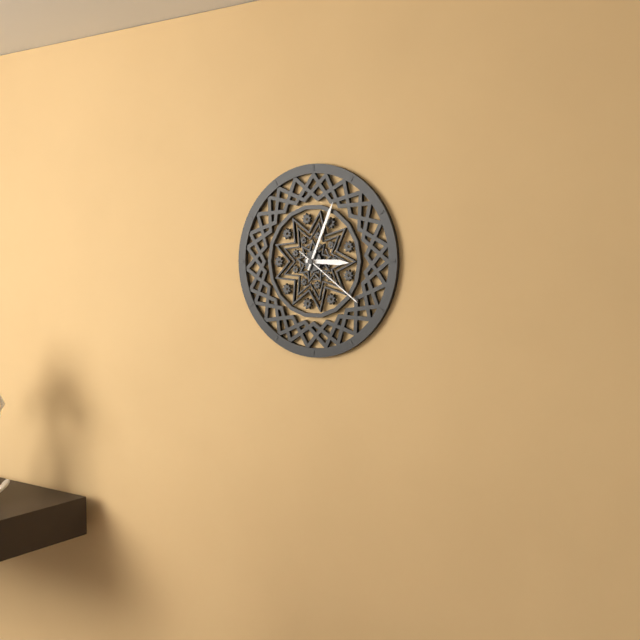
**3:04:21**
